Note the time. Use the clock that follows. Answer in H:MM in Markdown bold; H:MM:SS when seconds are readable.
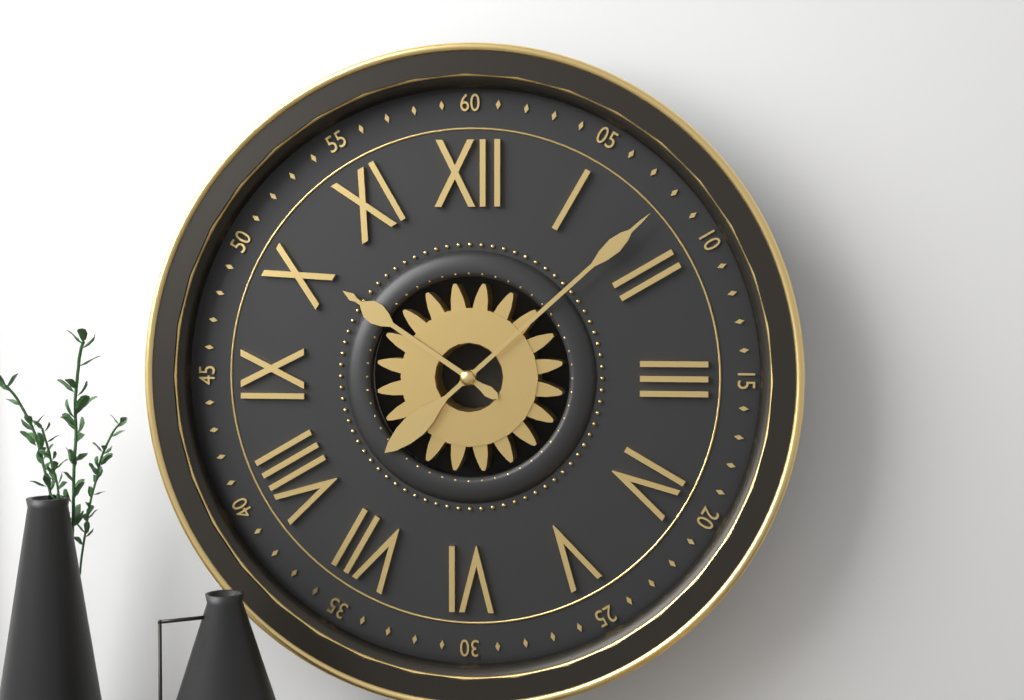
**10:08**
